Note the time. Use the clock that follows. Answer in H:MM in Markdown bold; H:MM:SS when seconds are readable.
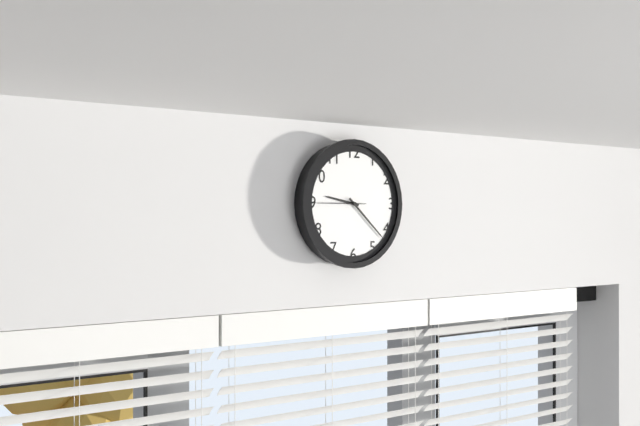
**9:22**
